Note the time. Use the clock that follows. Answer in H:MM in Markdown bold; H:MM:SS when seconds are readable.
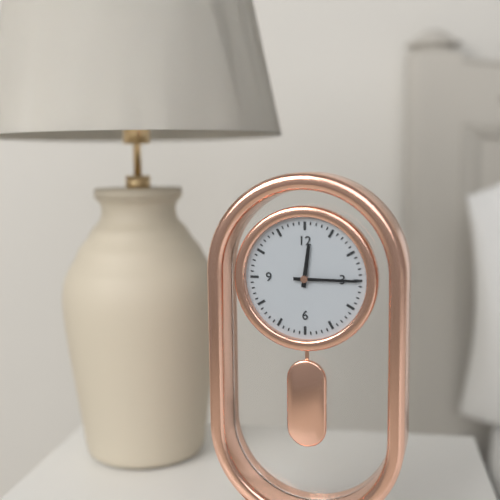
**12:15**
